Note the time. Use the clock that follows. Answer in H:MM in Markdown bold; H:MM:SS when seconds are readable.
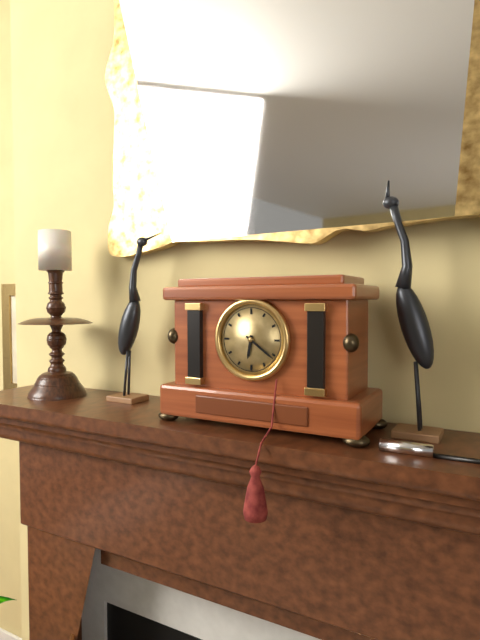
**6:21**
